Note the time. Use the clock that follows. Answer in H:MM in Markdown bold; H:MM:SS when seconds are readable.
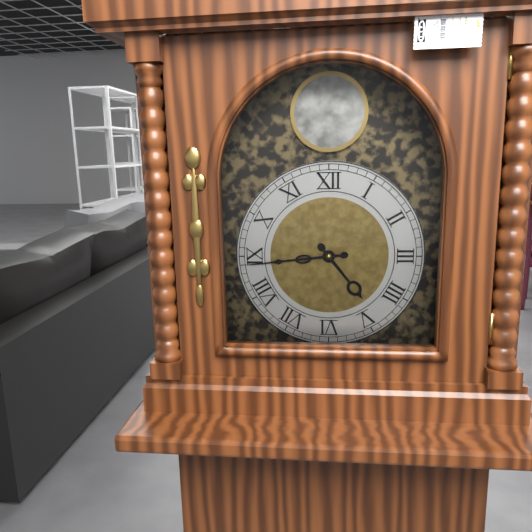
**4:44**
